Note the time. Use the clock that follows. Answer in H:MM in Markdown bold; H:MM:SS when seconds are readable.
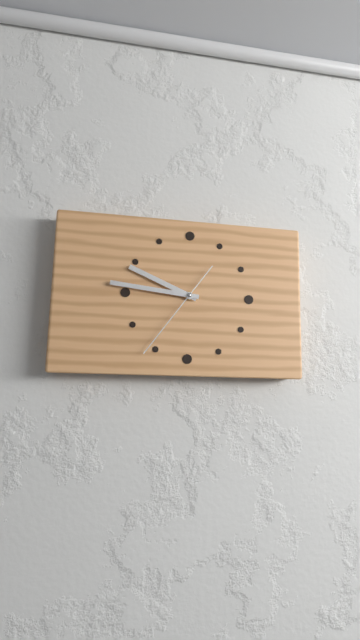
**9:46:36**
